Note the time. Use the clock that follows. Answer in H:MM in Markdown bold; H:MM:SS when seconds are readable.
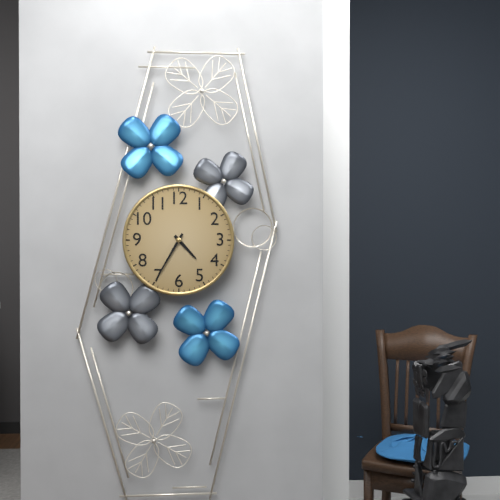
**4:35**
